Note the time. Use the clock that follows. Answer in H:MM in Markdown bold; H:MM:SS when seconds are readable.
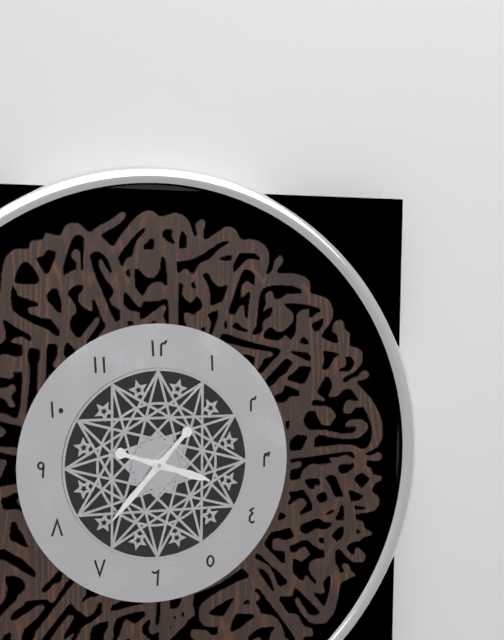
**3:37**
